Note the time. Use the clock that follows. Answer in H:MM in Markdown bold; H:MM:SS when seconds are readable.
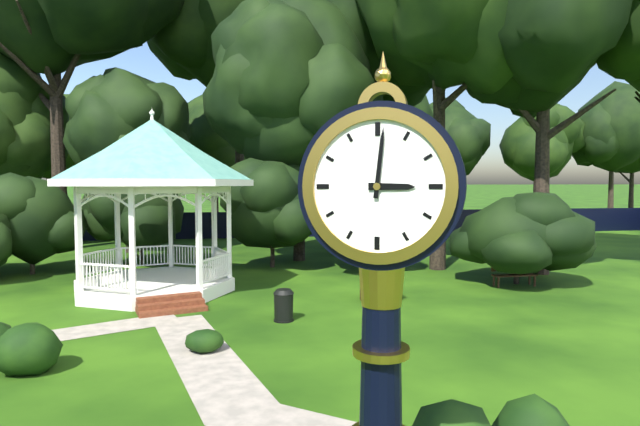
**3:01**
